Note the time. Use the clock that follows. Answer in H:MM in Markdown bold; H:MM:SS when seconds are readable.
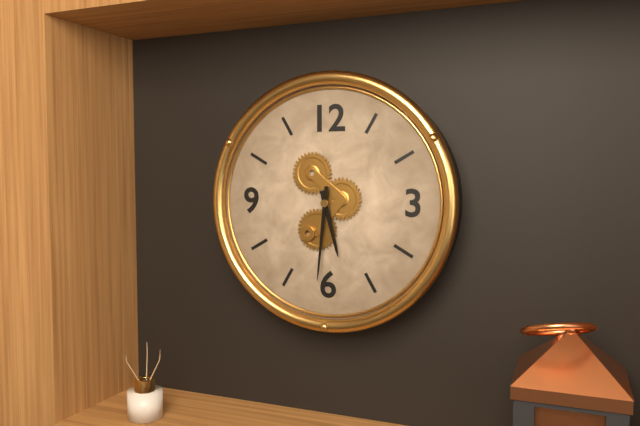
**5:31**
